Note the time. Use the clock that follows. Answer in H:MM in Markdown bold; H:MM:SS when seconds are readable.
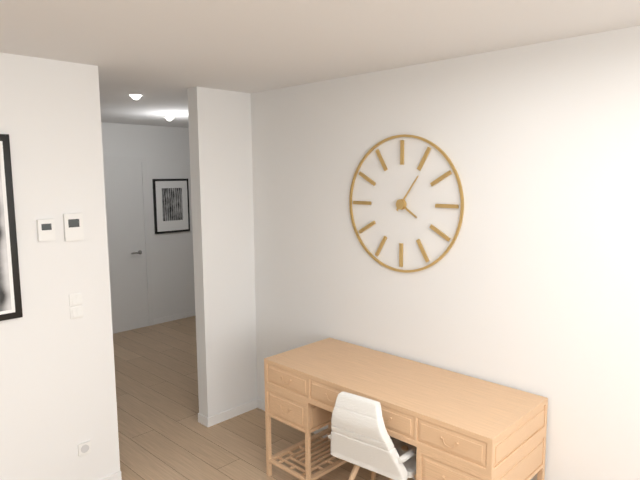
**4:06**
